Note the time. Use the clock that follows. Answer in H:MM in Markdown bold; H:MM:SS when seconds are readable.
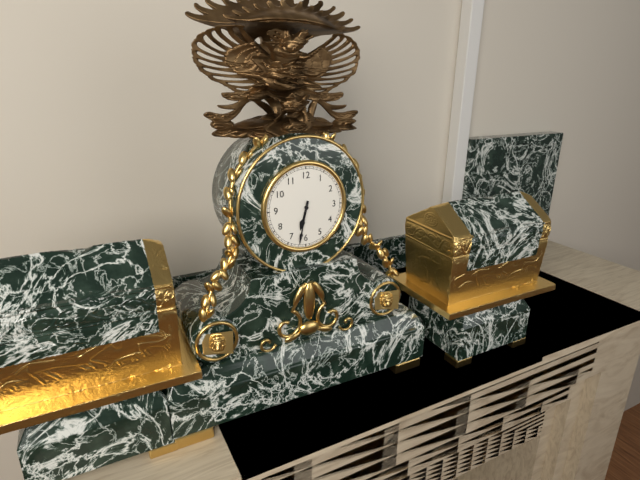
**6:32**
